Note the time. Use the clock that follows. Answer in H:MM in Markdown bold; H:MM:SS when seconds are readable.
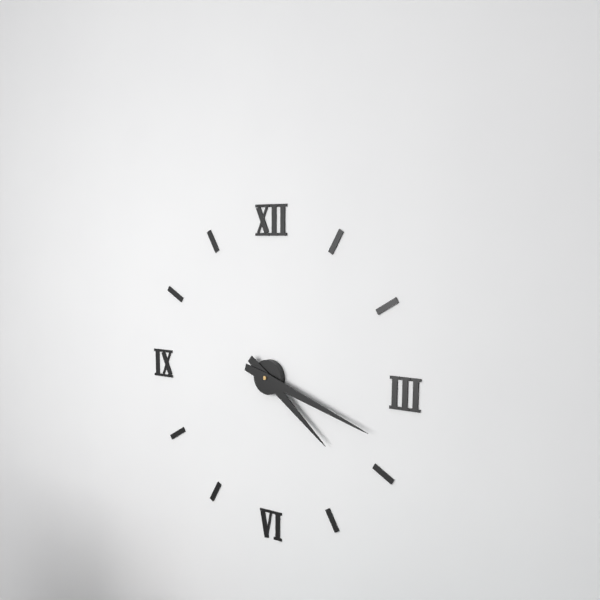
**4:18**
